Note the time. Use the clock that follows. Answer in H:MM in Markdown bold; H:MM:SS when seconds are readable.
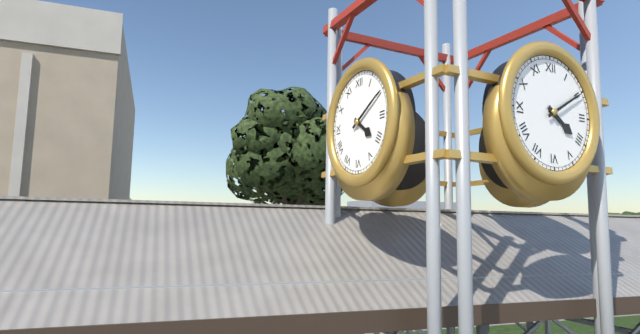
**4:10**
